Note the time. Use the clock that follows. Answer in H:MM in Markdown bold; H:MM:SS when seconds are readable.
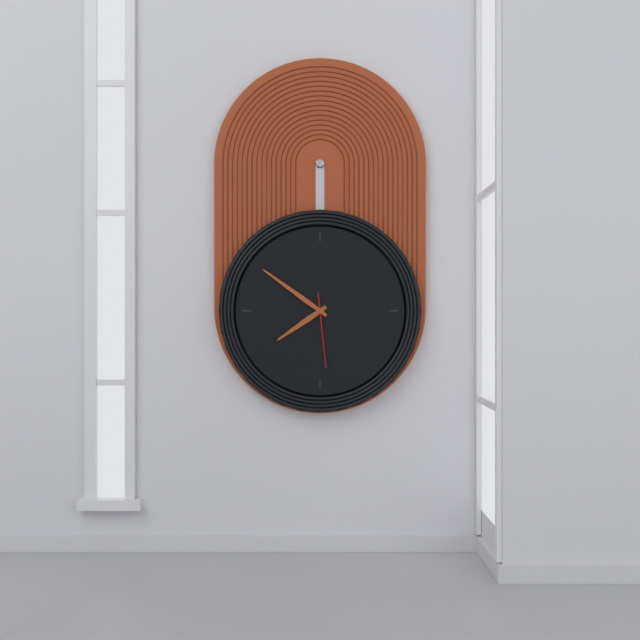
**7:51:29**
